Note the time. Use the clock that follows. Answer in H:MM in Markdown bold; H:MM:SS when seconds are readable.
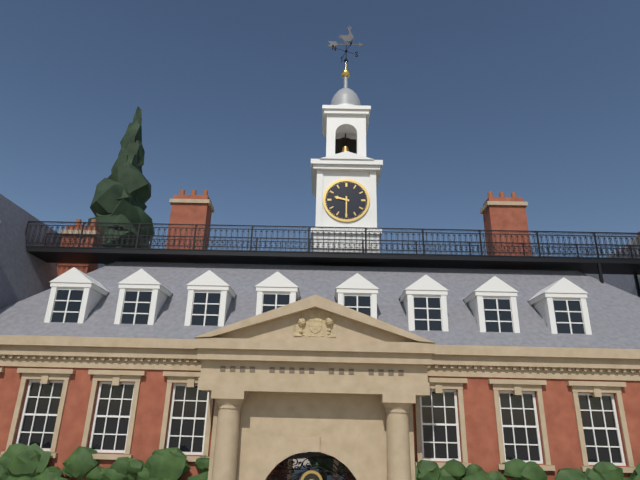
**9:30**
